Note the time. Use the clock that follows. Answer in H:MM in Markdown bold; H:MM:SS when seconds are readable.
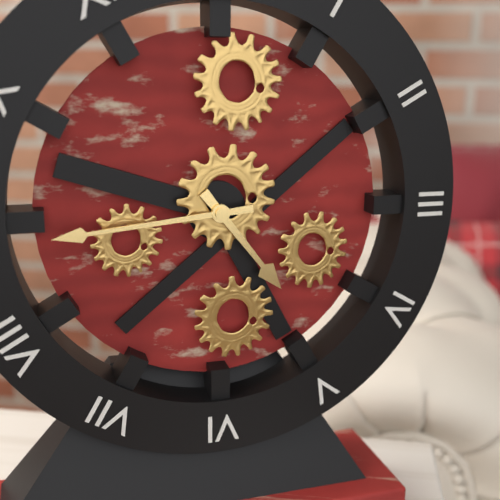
**4:44**
